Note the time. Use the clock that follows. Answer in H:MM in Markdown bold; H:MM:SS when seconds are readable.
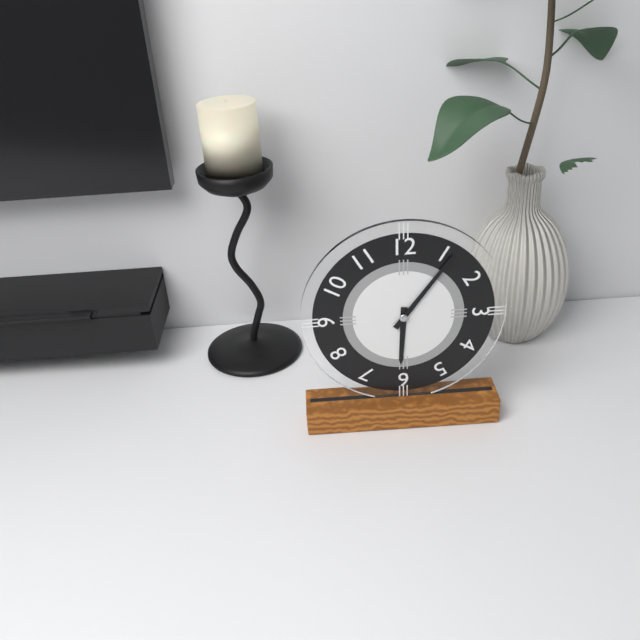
**6:06**
